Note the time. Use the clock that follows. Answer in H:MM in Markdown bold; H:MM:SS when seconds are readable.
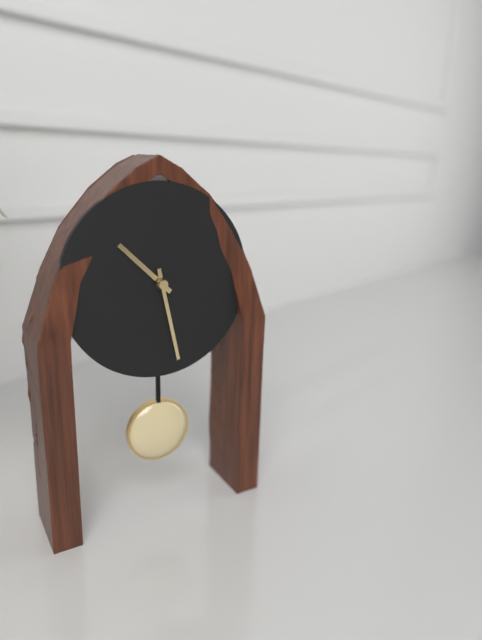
**10:28**
